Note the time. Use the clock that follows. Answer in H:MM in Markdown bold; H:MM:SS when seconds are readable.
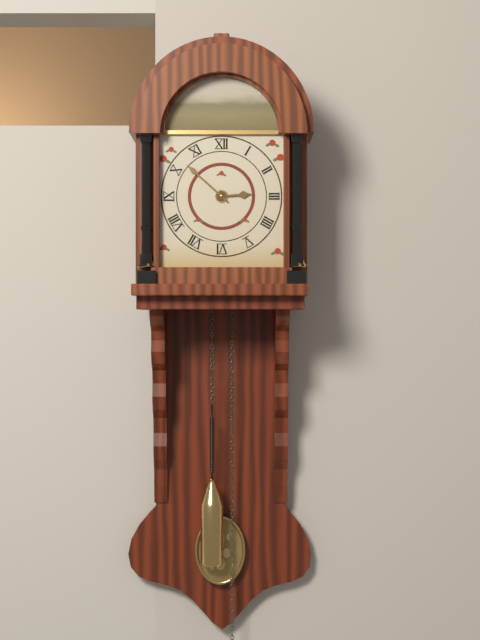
**2:52**
